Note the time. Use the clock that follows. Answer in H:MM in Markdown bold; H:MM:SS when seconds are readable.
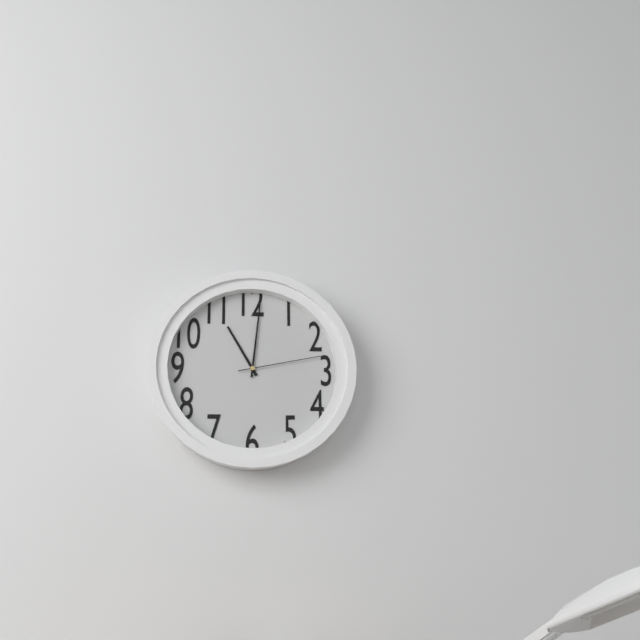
**11:01:13**
